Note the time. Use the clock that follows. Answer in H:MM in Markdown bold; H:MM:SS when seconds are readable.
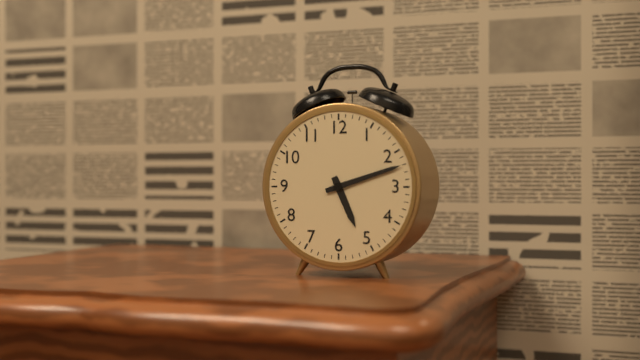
**5:12**
